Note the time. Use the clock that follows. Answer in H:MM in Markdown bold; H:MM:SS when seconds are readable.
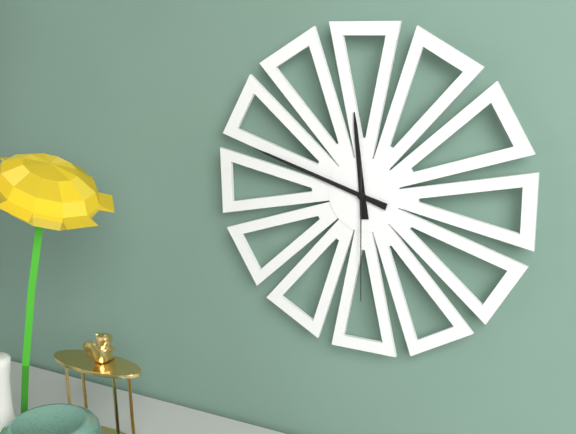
**11:48:30**
